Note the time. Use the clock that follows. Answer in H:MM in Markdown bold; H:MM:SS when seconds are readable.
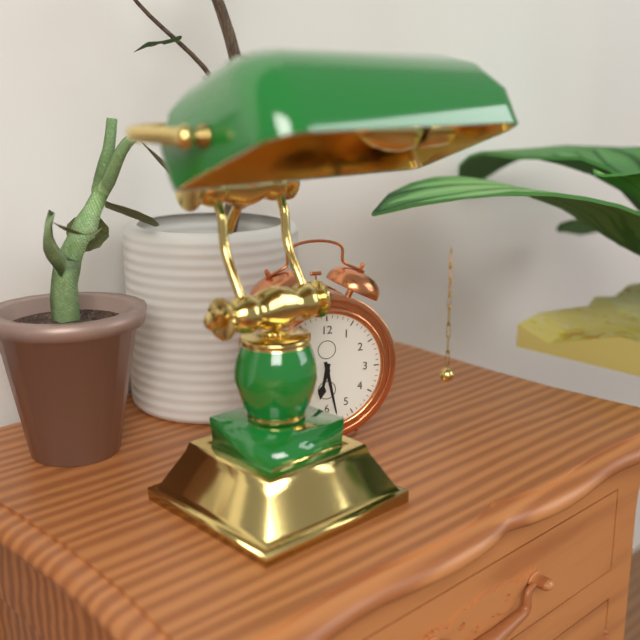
**6:28**
